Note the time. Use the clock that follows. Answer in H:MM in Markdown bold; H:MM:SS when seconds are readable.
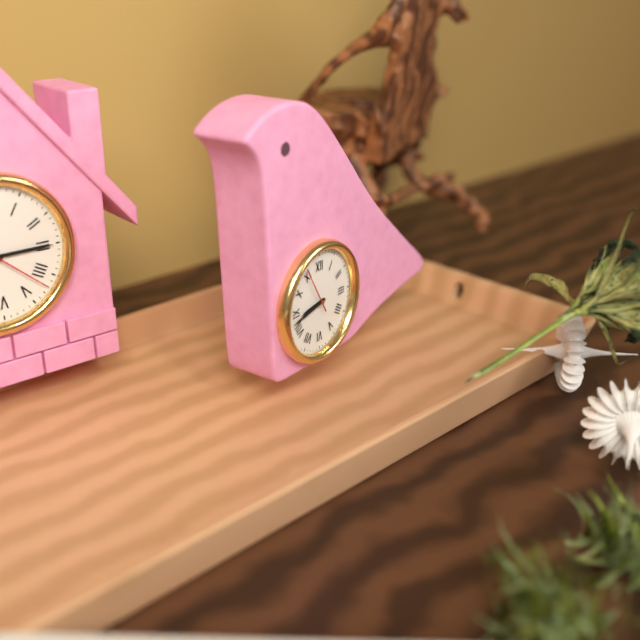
**8:43**
